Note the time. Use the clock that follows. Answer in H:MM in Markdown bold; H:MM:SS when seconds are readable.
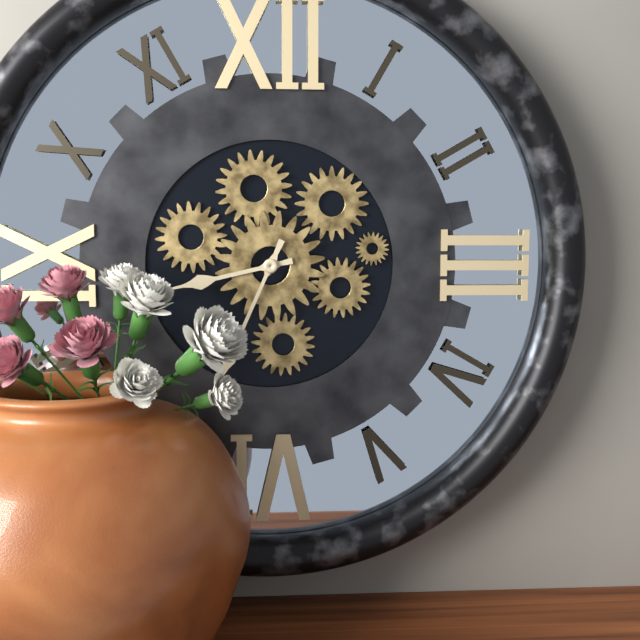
**8:34**
